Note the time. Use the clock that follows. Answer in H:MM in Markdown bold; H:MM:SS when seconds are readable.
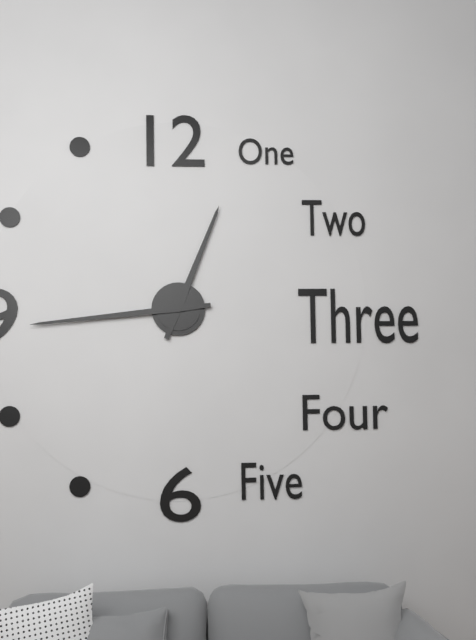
**12:44**
